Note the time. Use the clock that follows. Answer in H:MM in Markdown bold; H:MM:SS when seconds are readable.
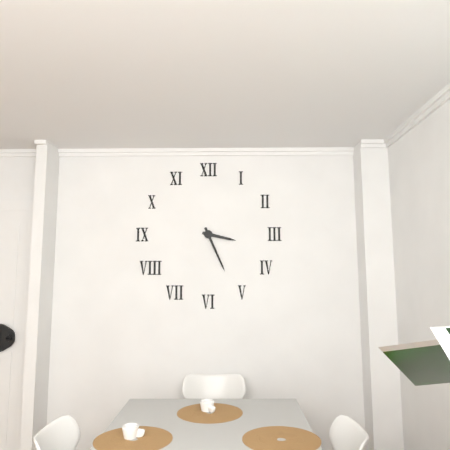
**3:26**
